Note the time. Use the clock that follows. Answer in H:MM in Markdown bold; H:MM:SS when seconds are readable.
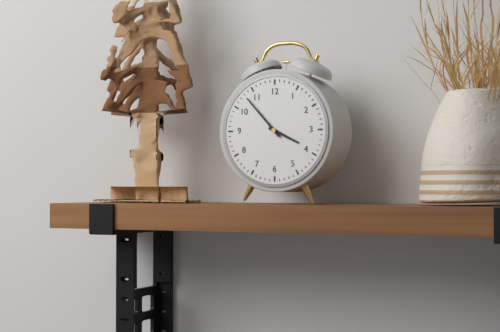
**3:53**
